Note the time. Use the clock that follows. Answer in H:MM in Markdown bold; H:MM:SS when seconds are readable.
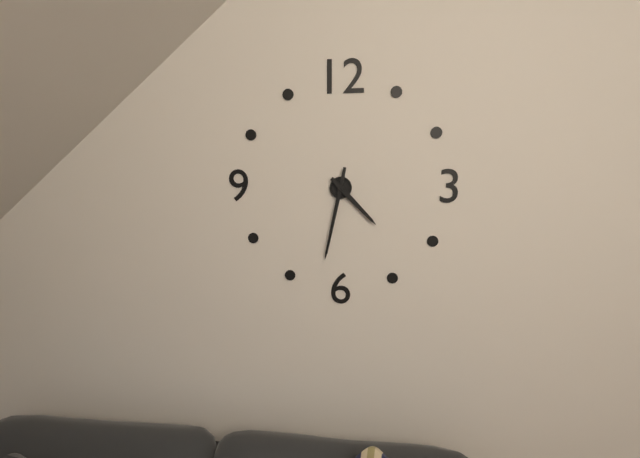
**4:32**
